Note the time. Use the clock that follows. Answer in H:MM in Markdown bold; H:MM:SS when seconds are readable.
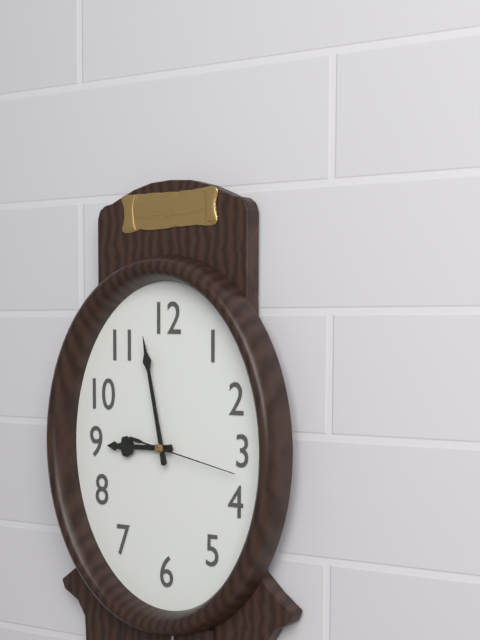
**8:58:17**
